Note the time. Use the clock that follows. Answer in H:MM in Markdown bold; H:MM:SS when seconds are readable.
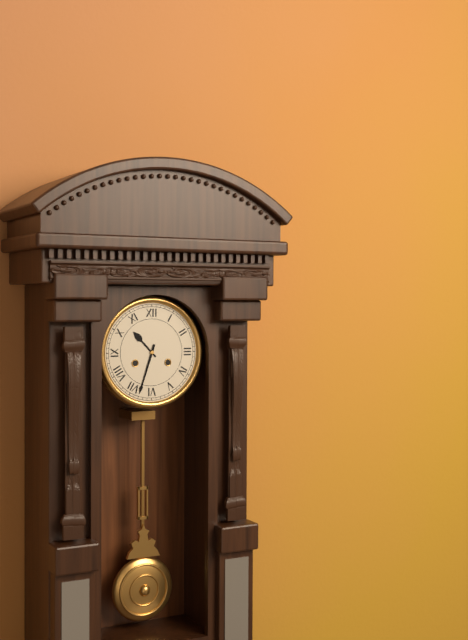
**10:33**
